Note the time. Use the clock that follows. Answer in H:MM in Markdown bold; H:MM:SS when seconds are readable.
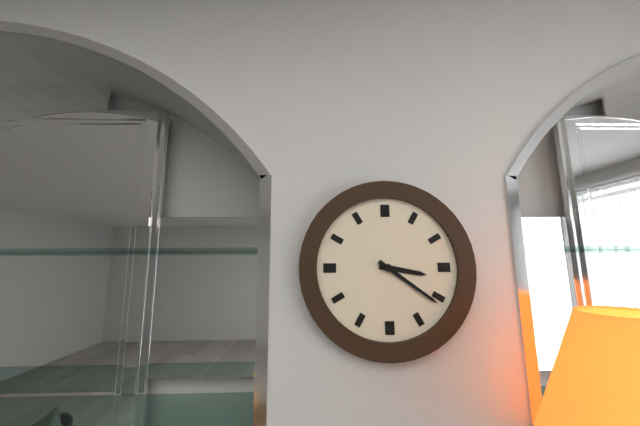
**3:21**
